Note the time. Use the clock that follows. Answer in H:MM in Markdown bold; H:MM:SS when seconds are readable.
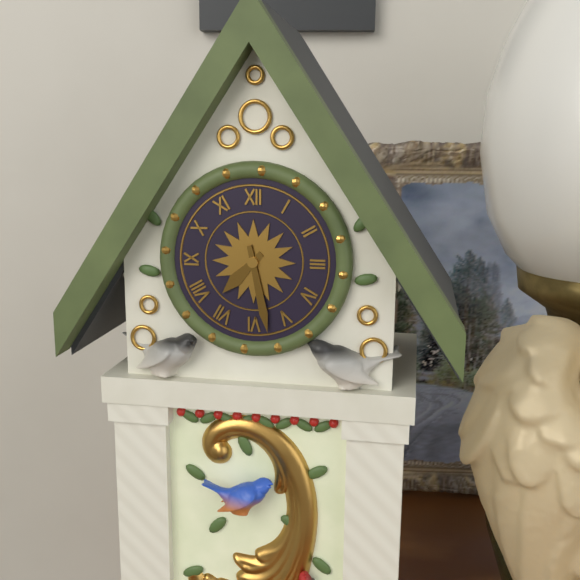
**7:28**
